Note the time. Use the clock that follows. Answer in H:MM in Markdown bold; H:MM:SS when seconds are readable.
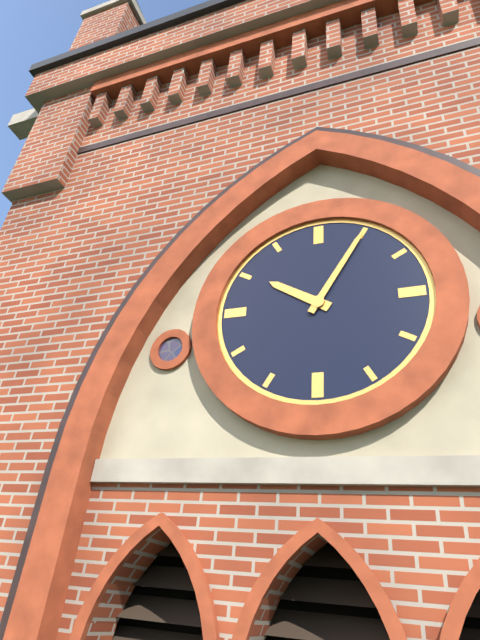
**10:05**
